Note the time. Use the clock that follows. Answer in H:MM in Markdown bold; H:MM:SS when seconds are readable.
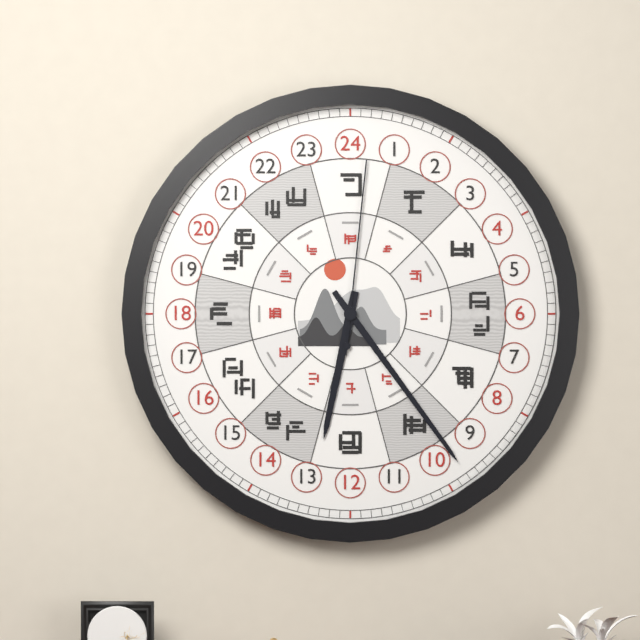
**6:24:01**
